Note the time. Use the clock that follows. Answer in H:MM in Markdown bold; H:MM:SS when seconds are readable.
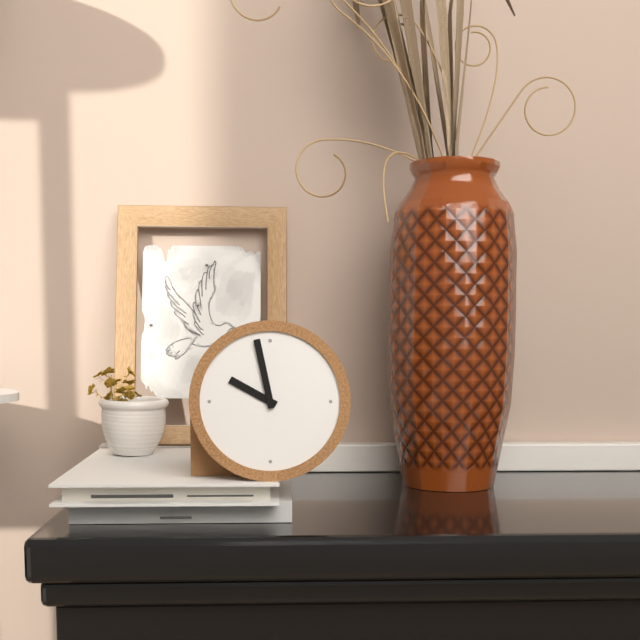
**9:58**
